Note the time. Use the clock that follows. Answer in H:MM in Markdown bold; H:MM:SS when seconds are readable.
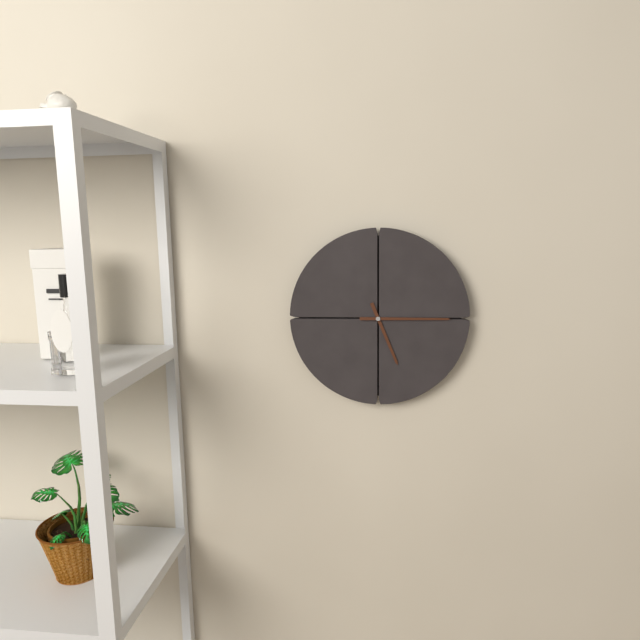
**5:15**
